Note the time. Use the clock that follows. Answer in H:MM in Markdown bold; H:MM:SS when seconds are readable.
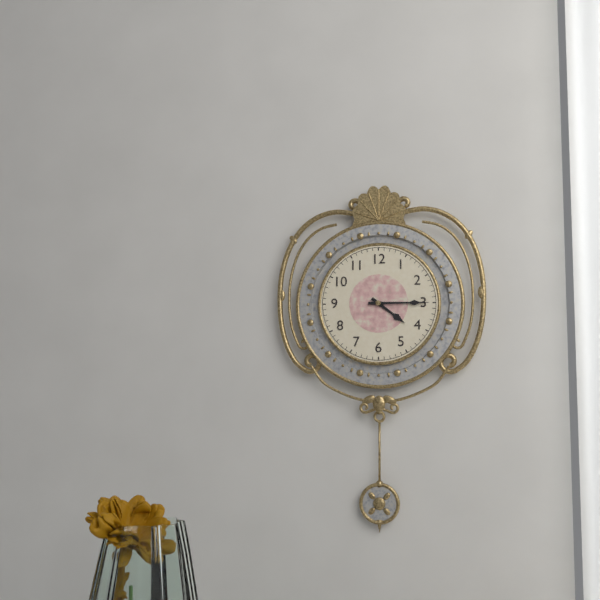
**4:15**
